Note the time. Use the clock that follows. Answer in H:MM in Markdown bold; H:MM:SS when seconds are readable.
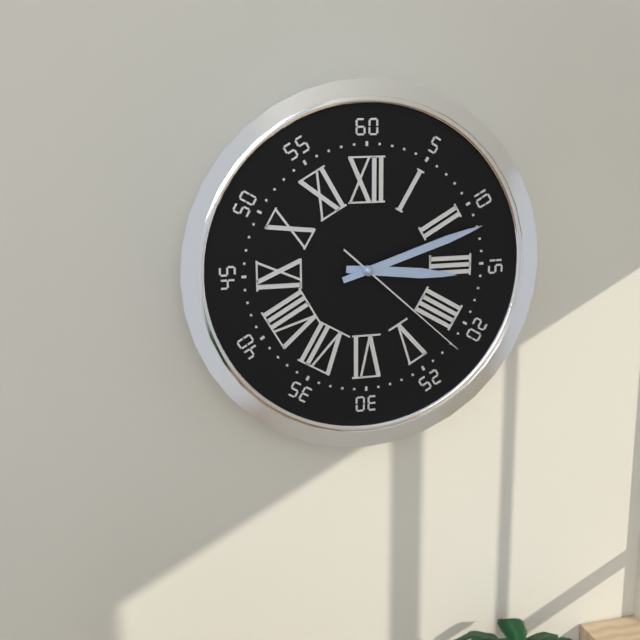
**3:12:22**
